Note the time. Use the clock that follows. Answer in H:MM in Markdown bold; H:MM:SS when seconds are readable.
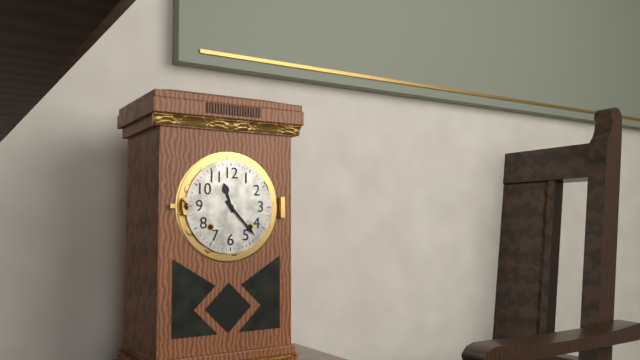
**11:23**
